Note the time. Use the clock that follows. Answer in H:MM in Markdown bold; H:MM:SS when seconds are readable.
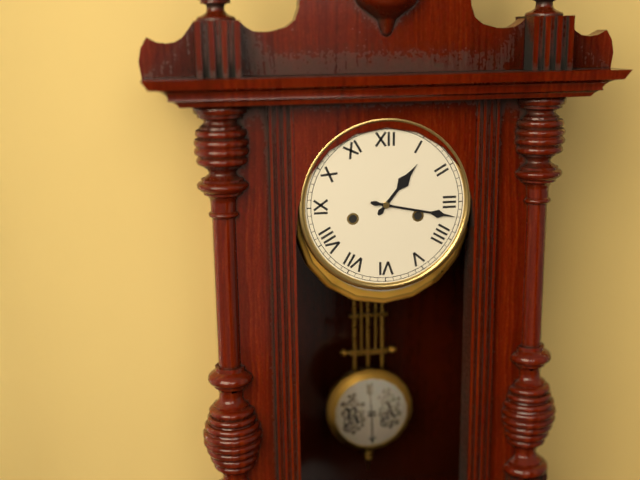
**1:17**
